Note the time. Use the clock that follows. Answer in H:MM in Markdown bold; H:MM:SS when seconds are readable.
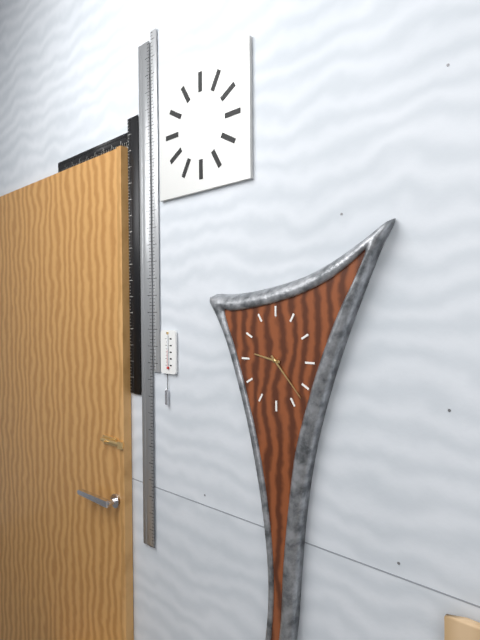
**9:23**
